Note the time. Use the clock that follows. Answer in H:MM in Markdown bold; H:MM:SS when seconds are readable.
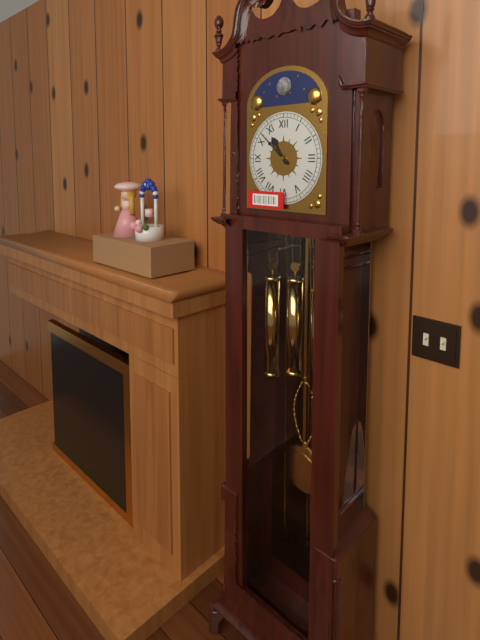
**10:52**
